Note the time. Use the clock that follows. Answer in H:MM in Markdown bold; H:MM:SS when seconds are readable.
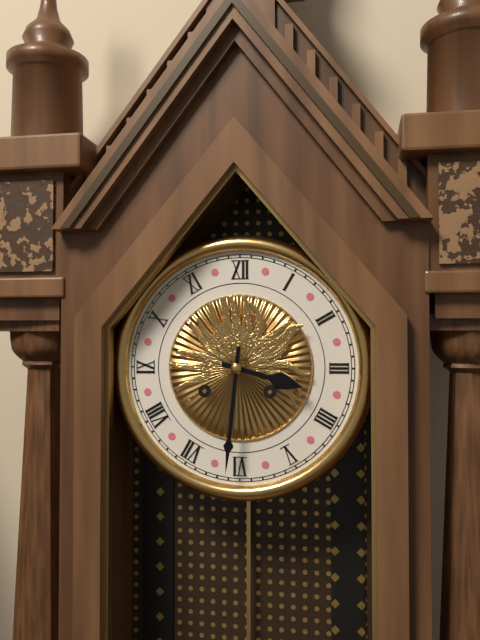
**3:31**
